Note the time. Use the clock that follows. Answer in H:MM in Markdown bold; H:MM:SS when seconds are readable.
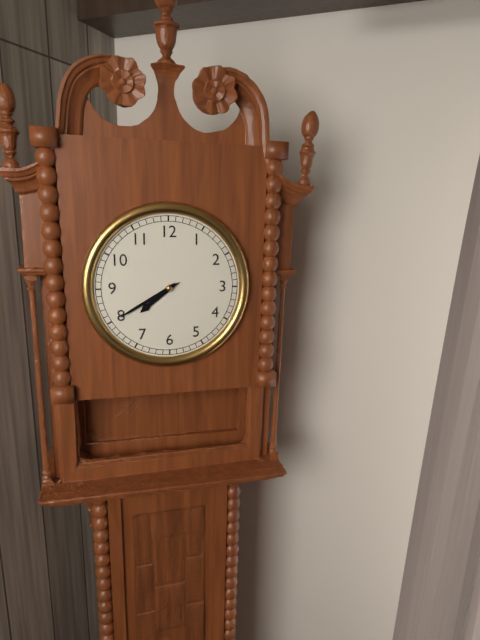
**7:40**
